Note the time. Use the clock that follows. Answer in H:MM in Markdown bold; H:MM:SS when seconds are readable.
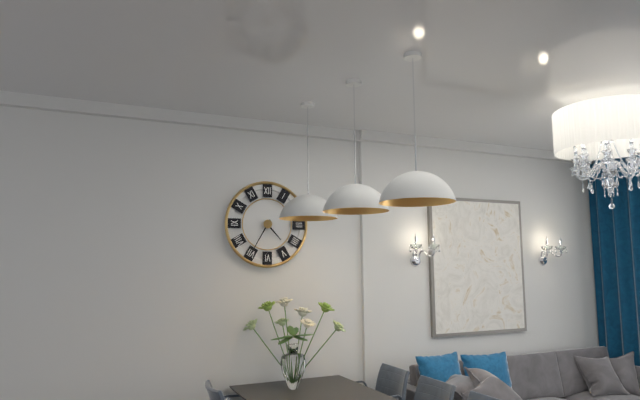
**4:35**
